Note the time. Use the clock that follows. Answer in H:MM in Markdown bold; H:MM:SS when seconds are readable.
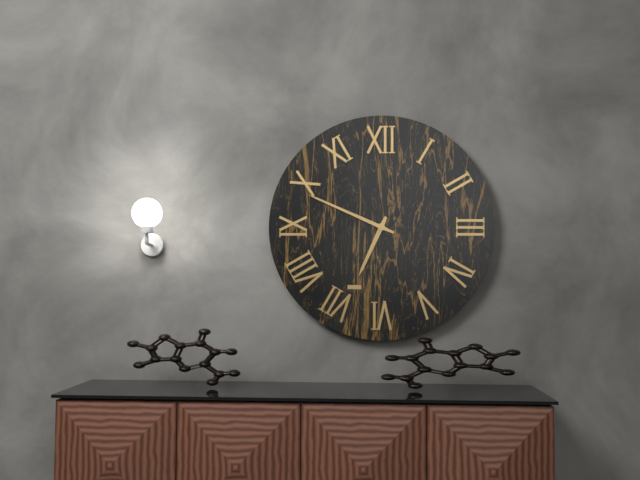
**6:49**
